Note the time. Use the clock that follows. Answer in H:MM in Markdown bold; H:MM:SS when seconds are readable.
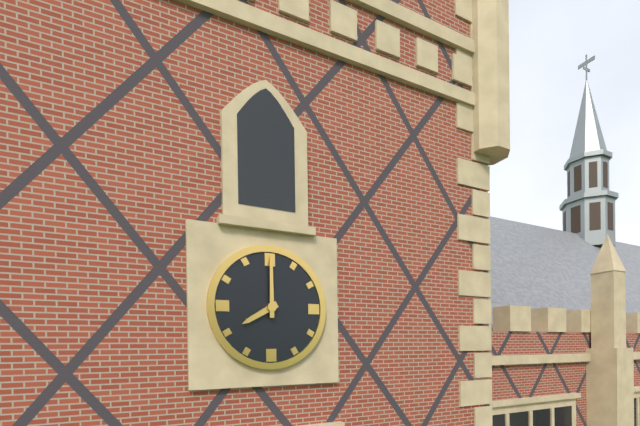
**8:00**
